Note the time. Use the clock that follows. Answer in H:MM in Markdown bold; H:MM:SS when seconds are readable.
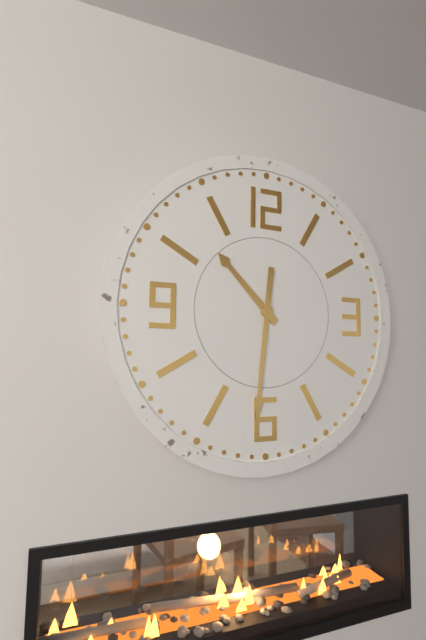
**10:31**
